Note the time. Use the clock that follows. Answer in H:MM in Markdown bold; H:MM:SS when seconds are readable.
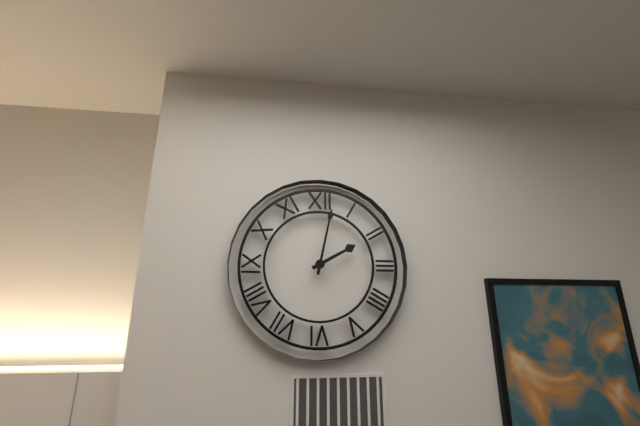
**2:02**
